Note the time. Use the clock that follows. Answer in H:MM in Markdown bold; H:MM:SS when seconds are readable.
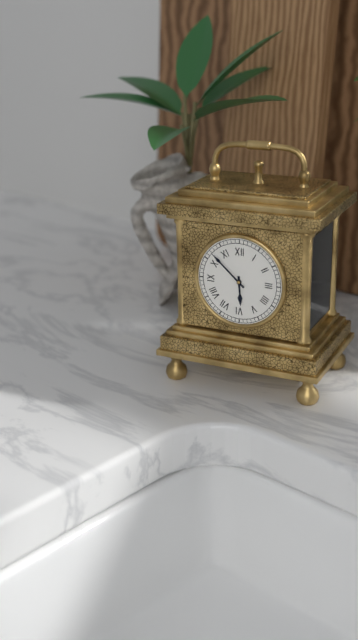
**5:52**
